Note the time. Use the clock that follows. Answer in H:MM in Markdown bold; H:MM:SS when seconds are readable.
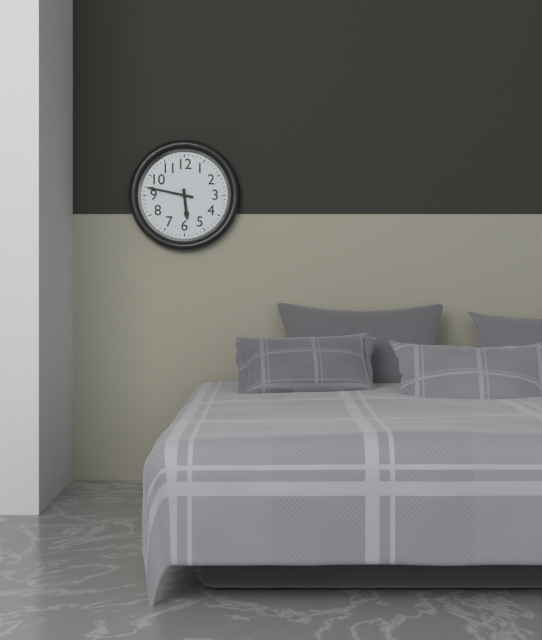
**5:47**
